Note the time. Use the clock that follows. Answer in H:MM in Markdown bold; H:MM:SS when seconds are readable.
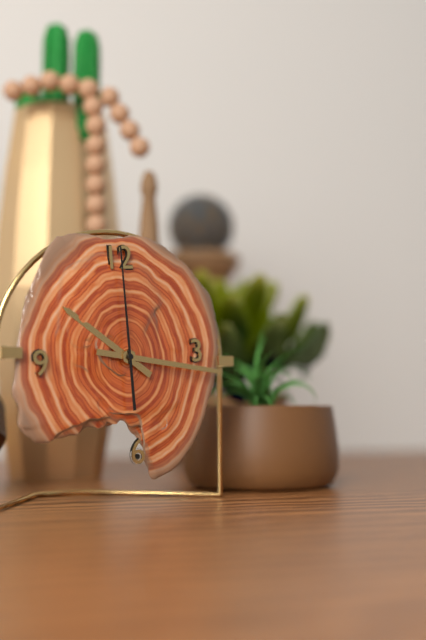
**10:17:00**
